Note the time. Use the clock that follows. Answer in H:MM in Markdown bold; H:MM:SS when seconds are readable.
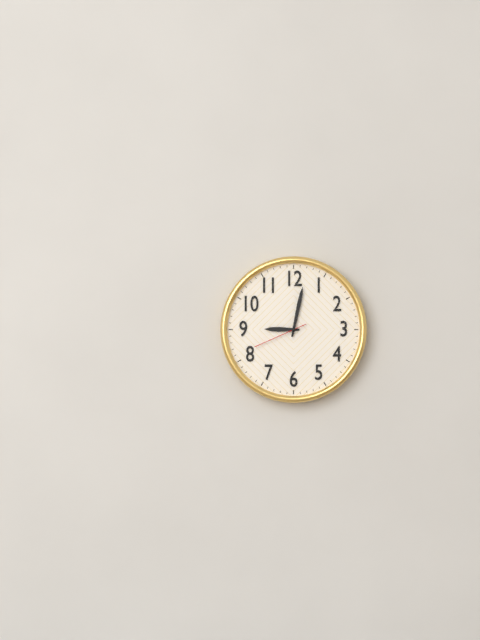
**9:02:41**
